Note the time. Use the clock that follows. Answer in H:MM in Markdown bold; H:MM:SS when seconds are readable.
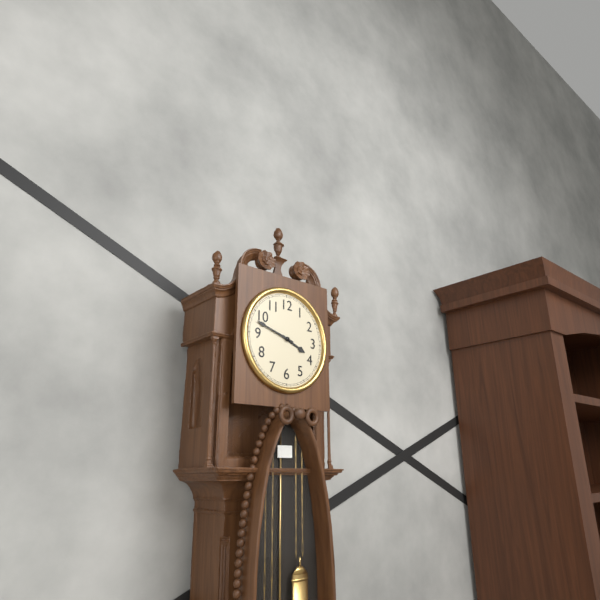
**3:48**
